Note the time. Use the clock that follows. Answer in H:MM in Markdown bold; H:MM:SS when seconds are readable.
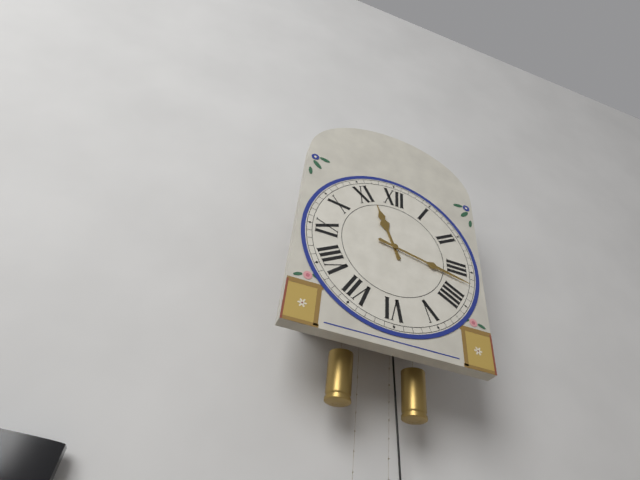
**11:17**
